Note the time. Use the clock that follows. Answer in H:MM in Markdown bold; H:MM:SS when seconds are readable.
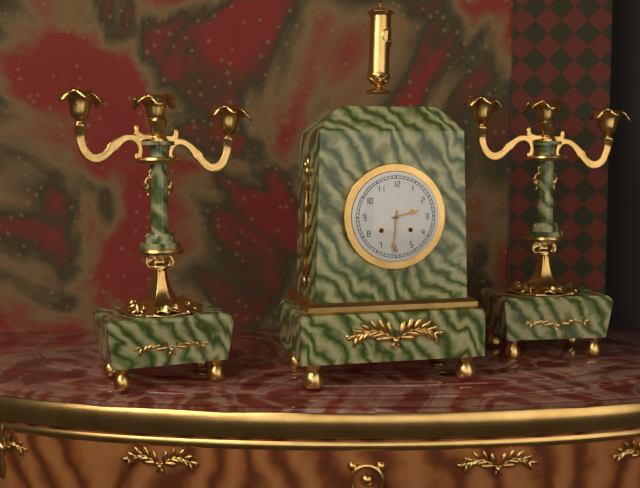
**2:31**
